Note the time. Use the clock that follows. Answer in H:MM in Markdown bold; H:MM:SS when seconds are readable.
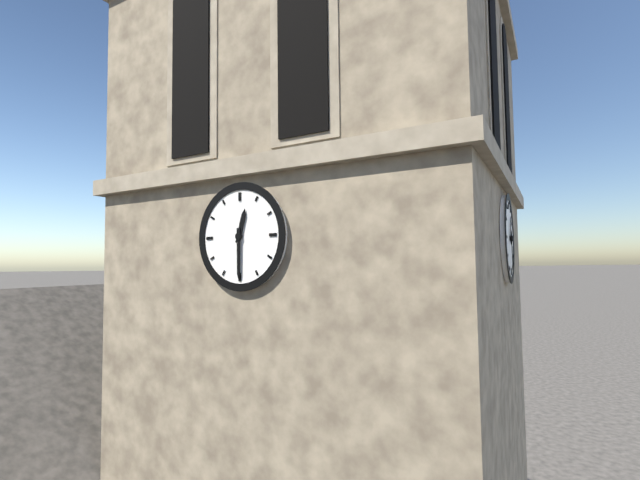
**12:30**
